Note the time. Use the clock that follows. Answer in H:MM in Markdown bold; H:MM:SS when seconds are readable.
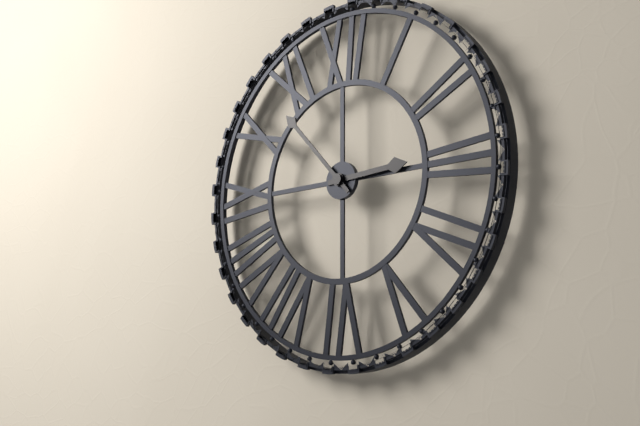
**2:53**
